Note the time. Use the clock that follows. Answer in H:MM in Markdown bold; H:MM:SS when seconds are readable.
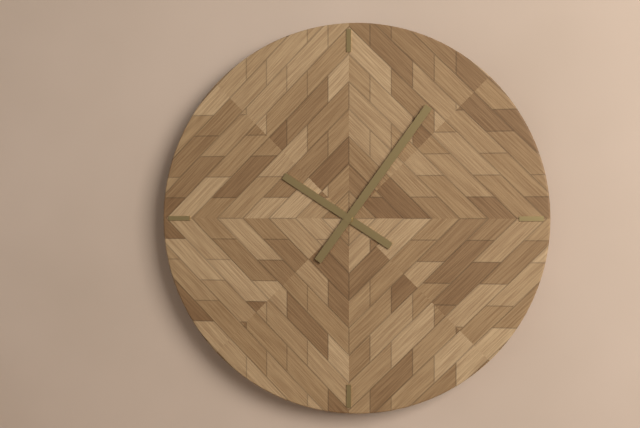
**10:06**
